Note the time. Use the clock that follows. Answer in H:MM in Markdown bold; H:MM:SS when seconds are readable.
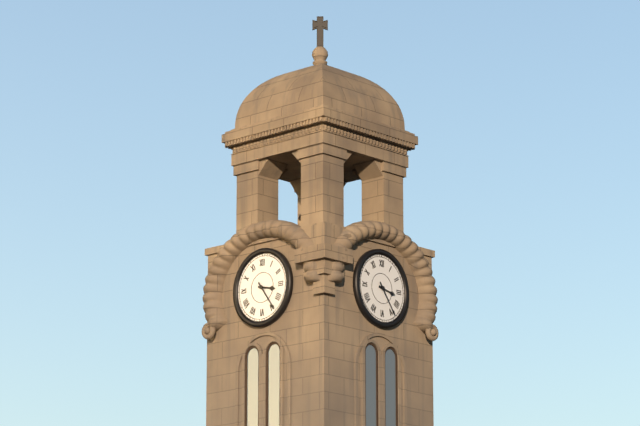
**3:24**
